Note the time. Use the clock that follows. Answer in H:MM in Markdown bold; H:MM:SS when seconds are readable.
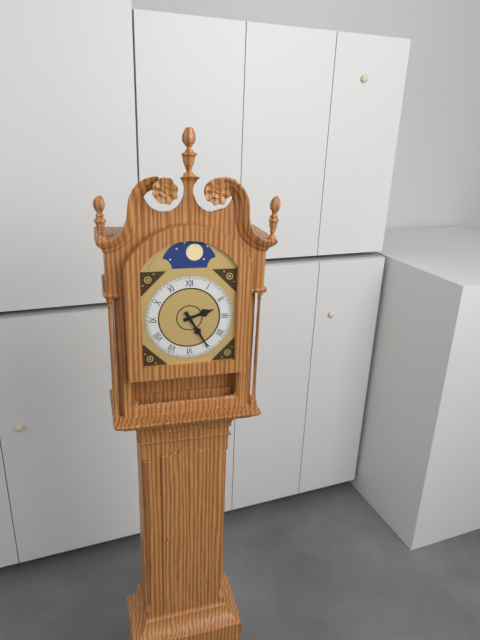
**2:25**
